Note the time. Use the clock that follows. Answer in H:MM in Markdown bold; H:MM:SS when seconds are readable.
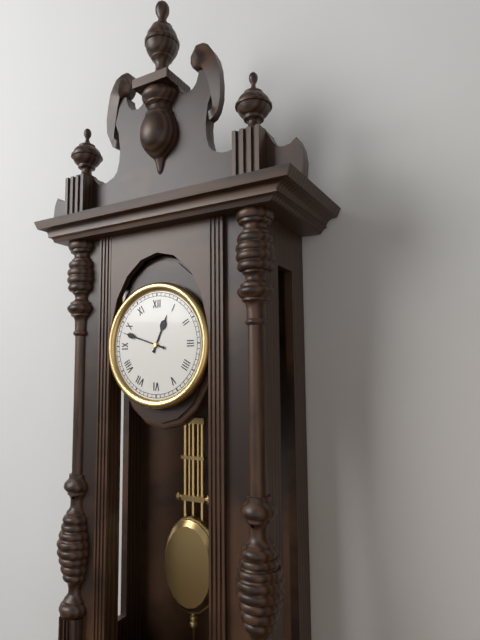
**12:48**
